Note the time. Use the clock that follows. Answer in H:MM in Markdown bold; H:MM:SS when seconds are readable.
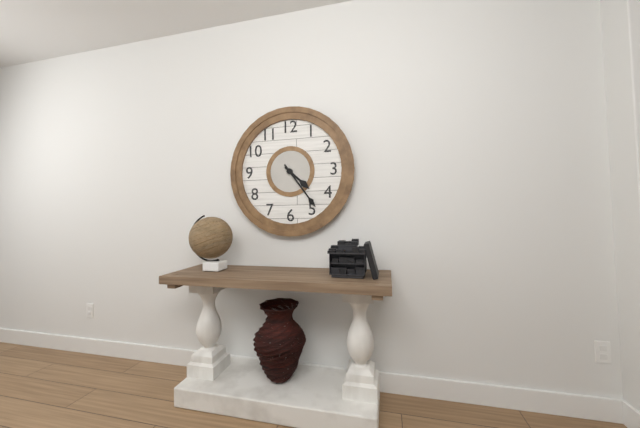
**4:24**
